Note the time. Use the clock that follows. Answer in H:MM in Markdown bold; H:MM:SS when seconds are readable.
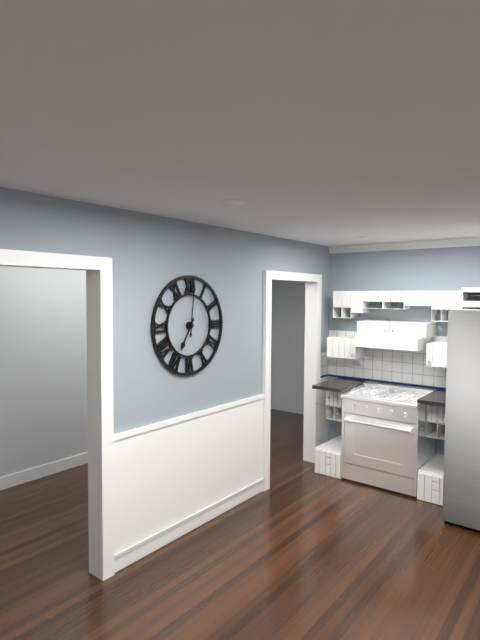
**7:01**
